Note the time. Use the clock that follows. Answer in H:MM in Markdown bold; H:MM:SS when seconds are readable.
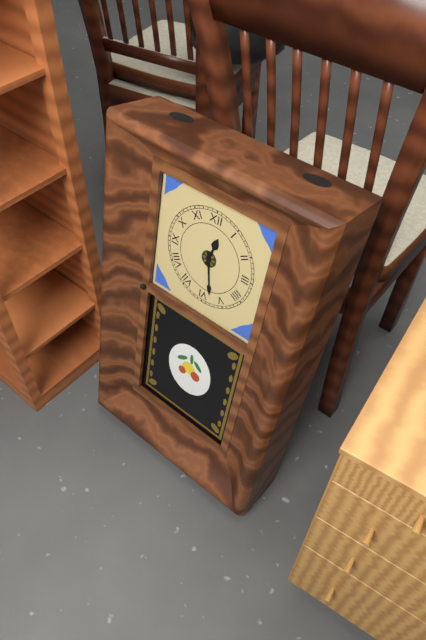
**12:28**
